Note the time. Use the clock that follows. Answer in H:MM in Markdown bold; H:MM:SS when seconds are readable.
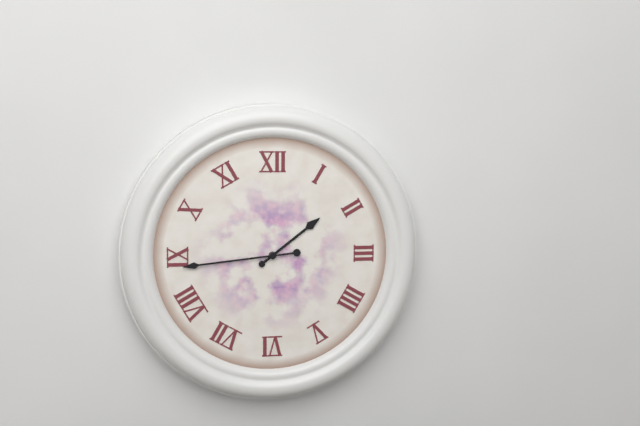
**1:44**
